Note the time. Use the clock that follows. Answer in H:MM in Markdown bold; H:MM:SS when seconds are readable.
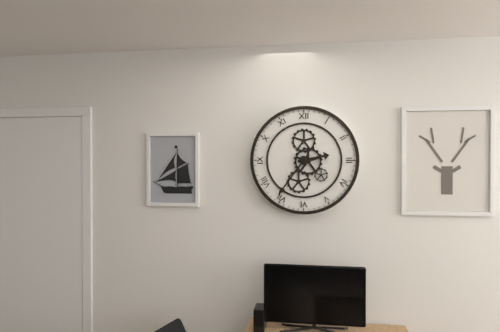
**2:36**
